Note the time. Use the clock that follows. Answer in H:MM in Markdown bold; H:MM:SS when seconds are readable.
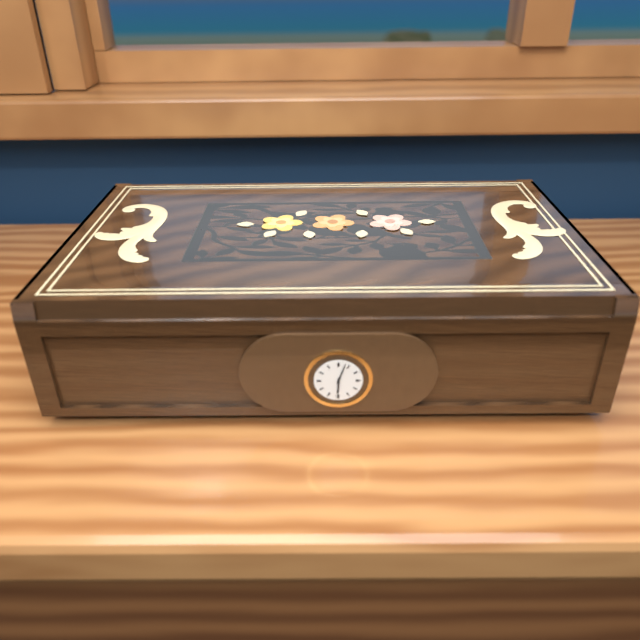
**6:03:31**
